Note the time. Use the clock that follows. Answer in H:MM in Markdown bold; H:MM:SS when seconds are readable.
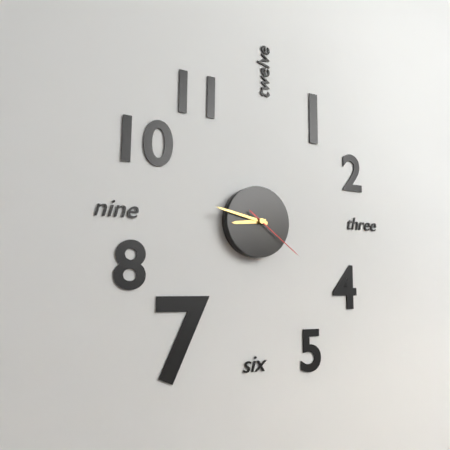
**8:47:21**
